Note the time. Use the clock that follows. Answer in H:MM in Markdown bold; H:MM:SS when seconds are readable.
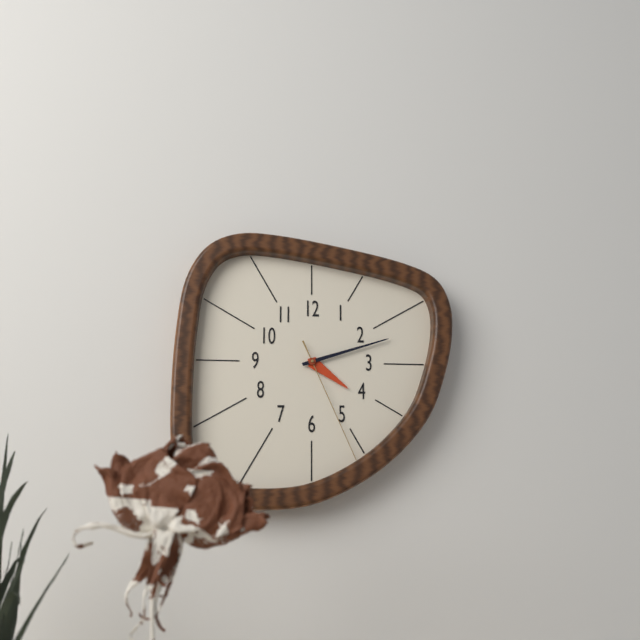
**4:12:26**
